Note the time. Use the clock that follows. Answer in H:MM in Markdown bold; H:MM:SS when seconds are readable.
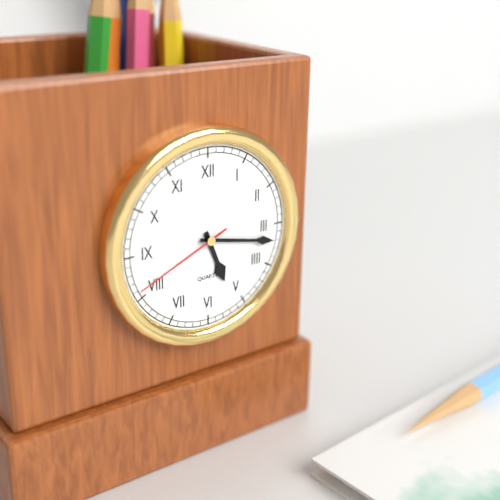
**5:17:41**
